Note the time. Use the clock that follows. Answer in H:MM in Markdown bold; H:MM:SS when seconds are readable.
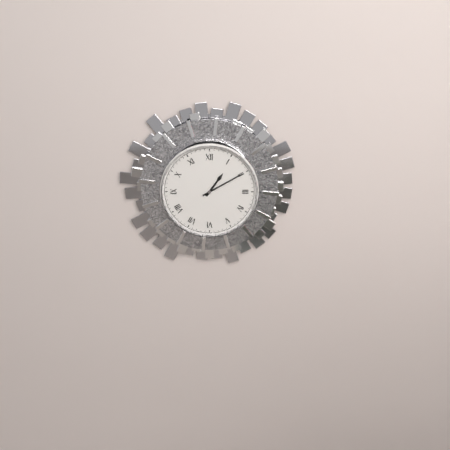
**1:10**
